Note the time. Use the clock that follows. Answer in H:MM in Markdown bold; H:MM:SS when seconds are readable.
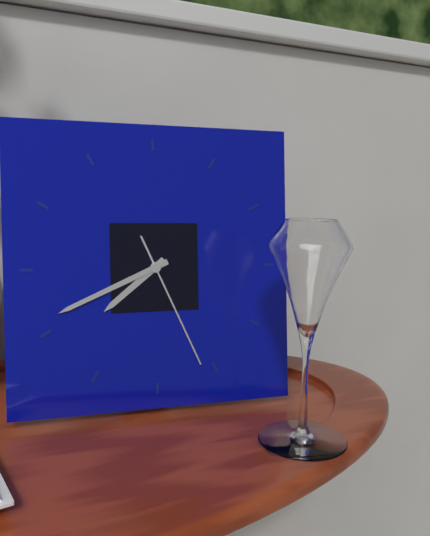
**7:41:26**
